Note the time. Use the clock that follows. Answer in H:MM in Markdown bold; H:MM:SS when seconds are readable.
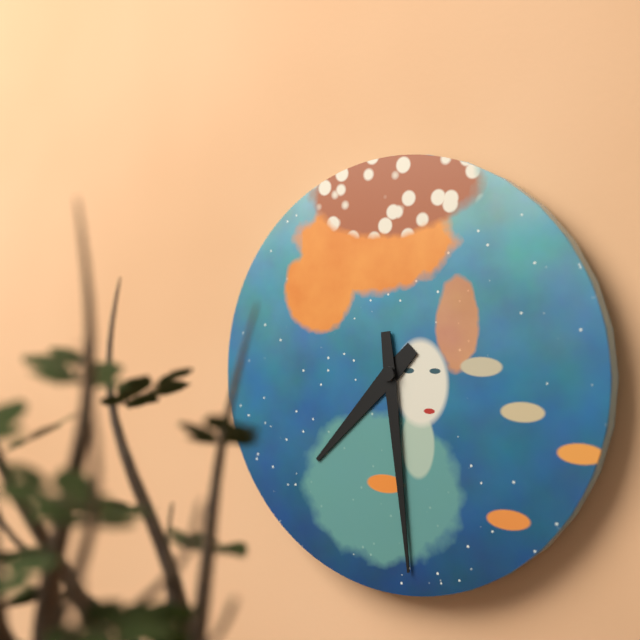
**7:29**
